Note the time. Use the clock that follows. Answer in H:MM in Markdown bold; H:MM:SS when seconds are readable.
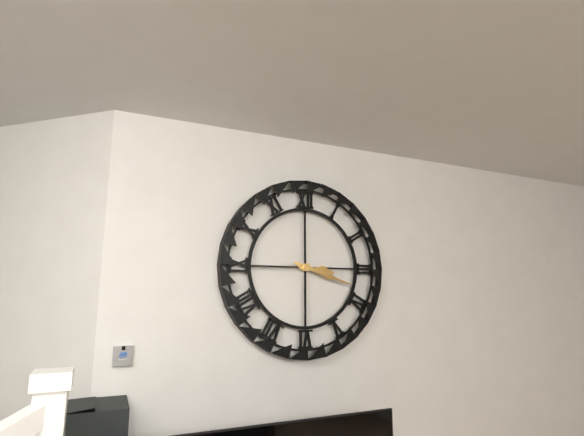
**3:18**
